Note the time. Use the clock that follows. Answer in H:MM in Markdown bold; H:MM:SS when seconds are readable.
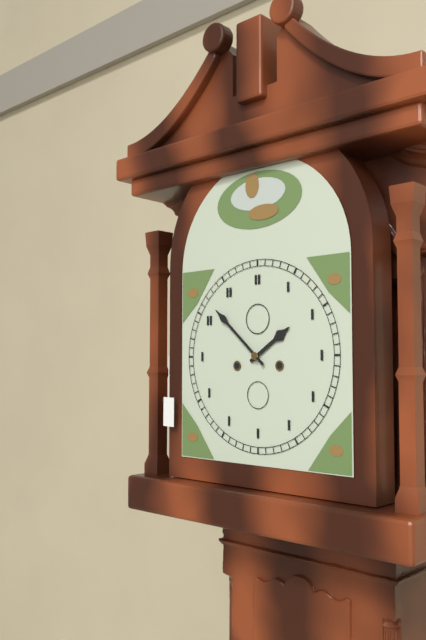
**1:52**
